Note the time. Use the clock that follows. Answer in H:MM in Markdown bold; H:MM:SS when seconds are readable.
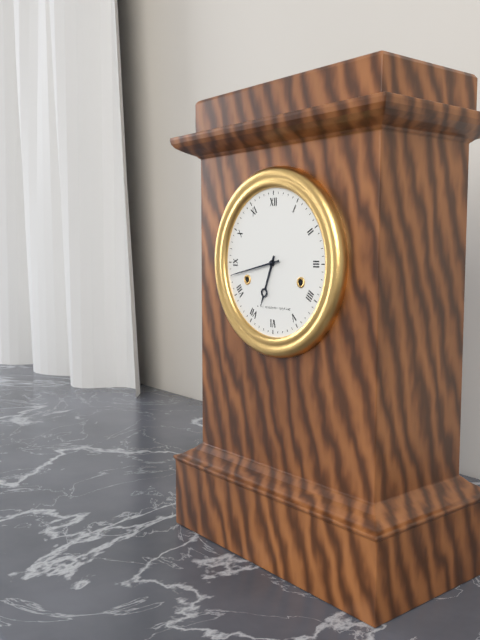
**6:43**
